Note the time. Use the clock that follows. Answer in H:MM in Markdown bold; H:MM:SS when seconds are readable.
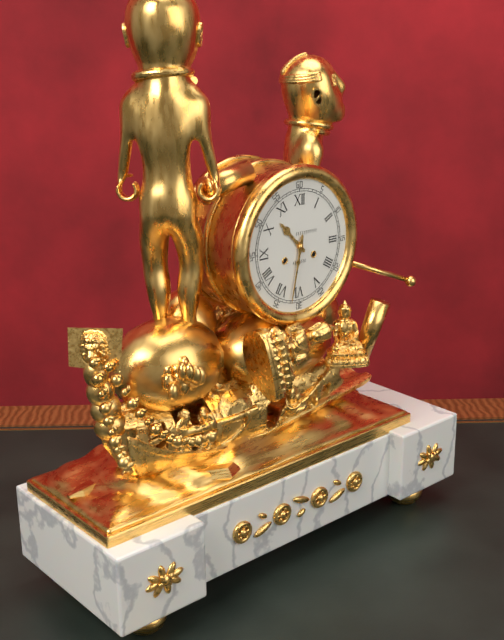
**10:32**
